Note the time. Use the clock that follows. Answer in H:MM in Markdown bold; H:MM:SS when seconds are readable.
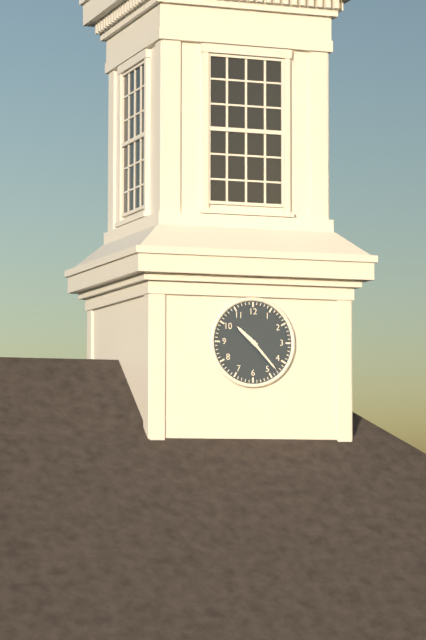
**10:23**
